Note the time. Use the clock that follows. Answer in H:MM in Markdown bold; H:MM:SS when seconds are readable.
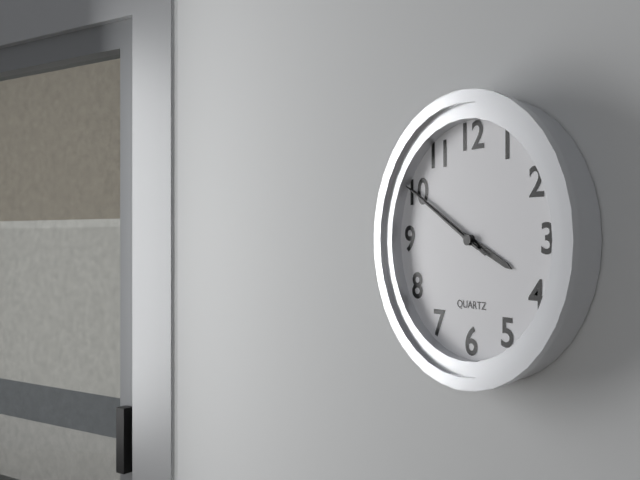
**3:50:50**
